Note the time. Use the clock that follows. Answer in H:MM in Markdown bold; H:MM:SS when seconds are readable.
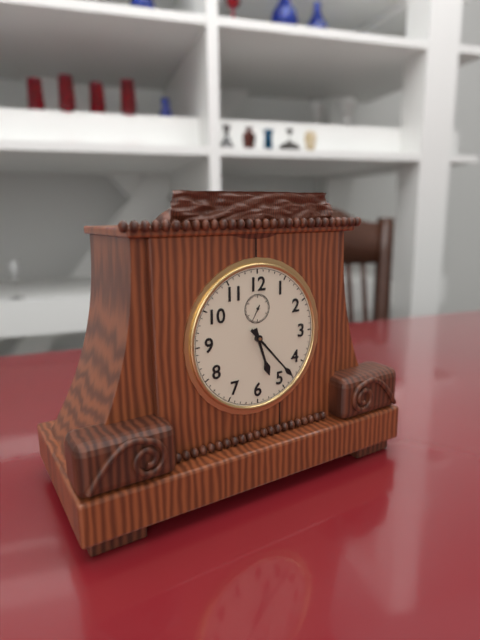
**5:23**
